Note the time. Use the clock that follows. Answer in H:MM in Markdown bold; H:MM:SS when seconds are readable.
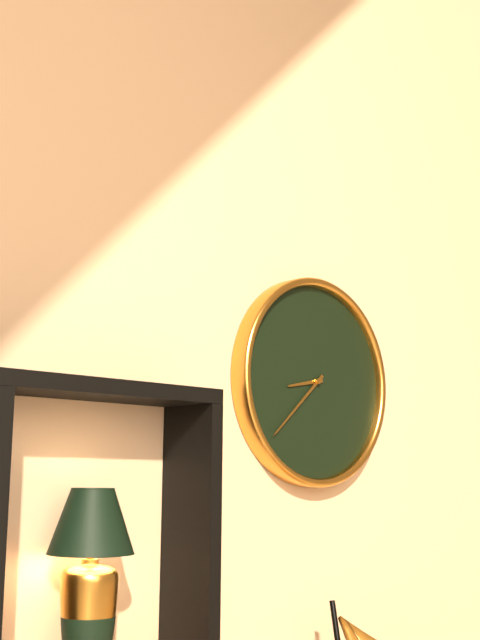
**8:38**
